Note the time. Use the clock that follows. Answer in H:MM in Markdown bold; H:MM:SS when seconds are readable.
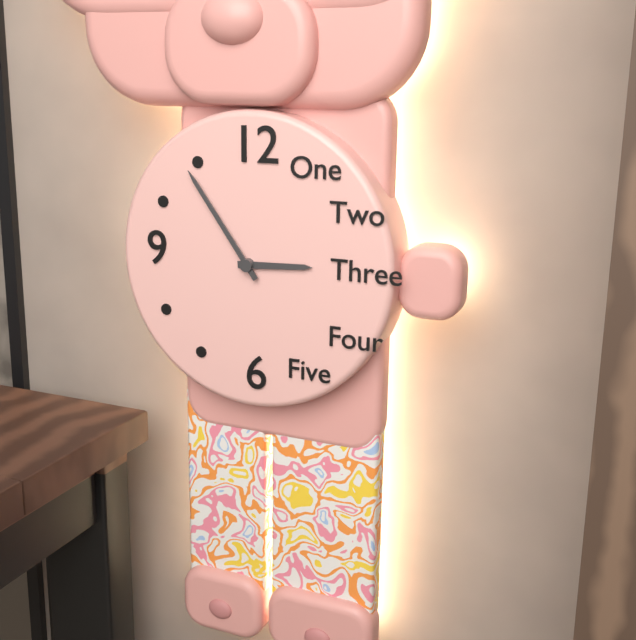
**2:54**
